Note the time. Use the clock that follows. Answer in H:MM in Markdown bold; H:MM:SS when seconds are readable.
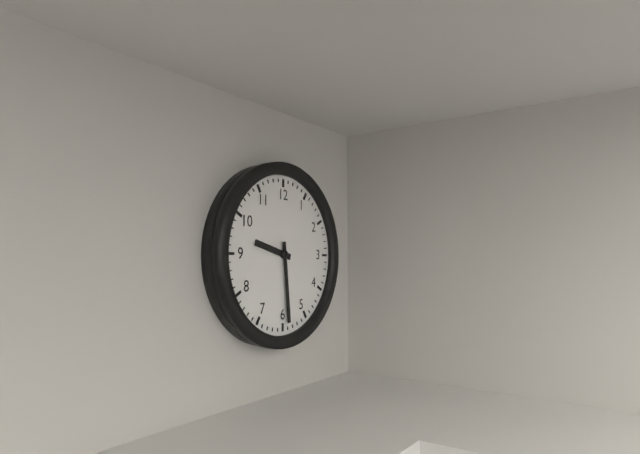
**9:29**
